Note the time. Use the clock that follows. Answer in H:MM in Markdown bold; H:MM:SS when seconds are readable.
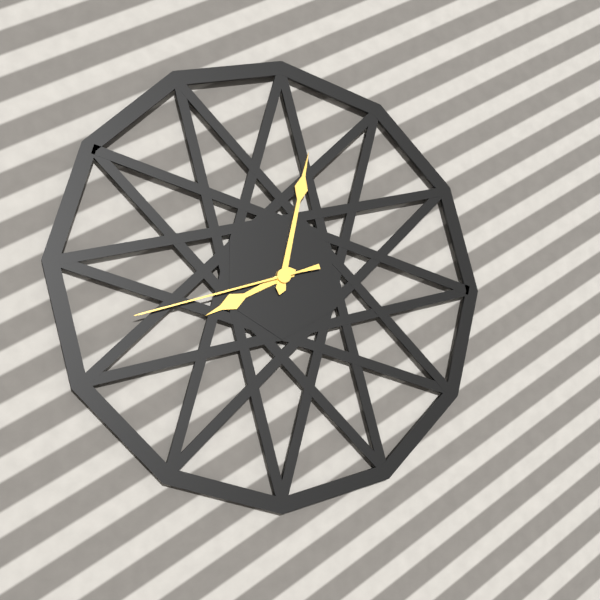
**8:02:42**
